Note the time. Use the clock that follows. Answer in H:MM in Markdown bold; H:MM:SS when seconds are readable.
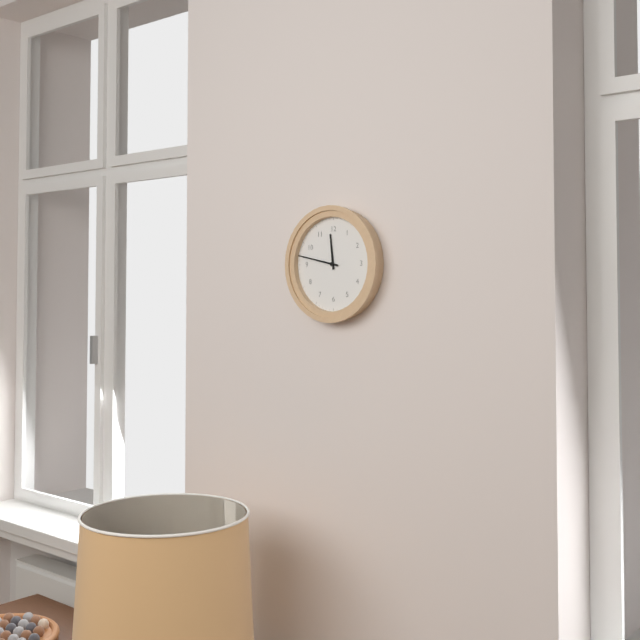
**11:47**
